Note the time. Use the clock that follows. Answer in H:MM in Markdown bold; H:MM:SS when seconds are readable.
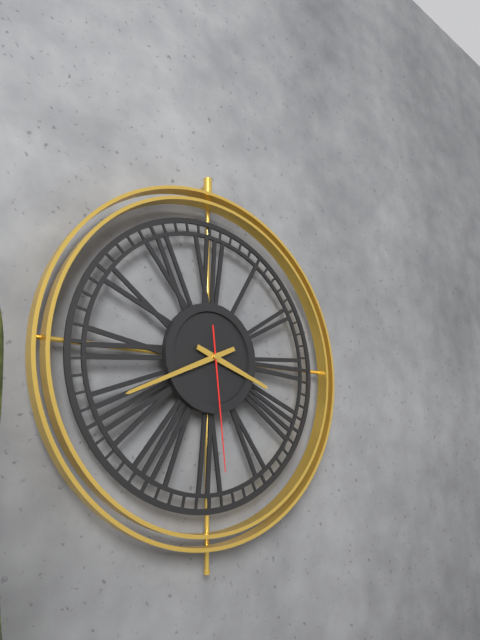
**3:41:29**
